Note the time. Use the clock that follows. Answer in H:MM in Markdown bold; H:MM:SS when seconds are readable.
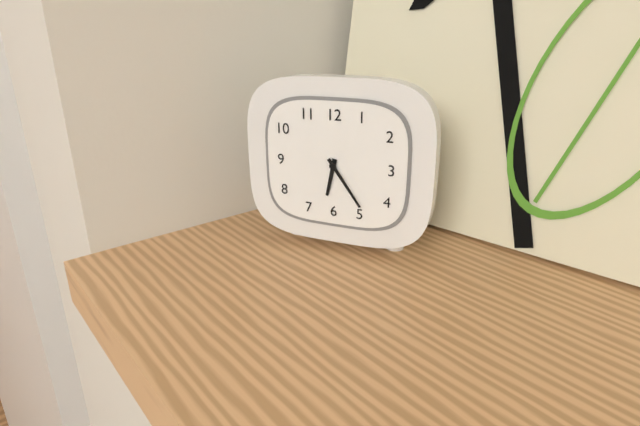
**6:24**
